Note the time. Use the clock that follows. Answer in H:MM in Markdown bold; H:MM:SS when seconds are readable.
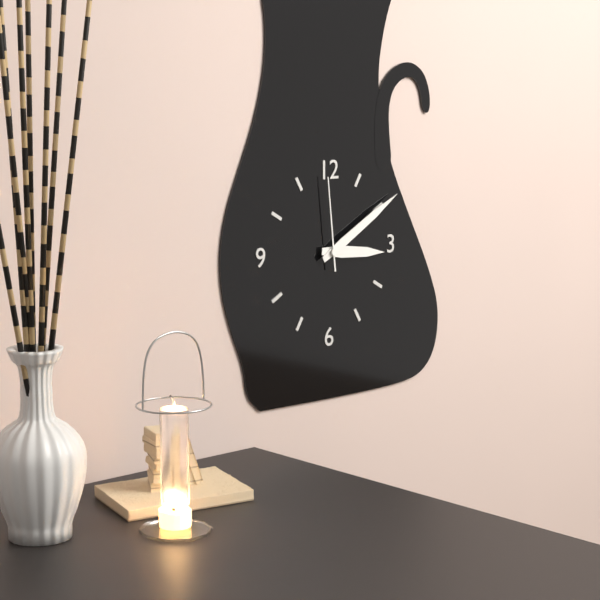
**3:10:59**
